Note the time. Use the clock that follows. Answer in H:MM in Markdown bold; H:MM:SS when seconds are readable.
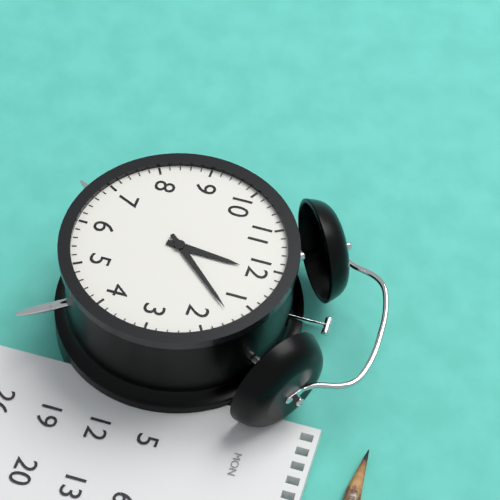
**12:07**
